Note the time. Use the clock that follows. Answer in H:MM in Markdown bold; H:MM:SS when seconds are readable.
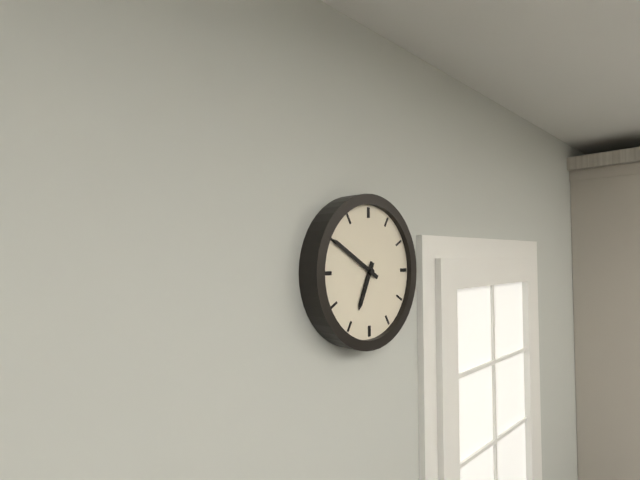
**6:50**
